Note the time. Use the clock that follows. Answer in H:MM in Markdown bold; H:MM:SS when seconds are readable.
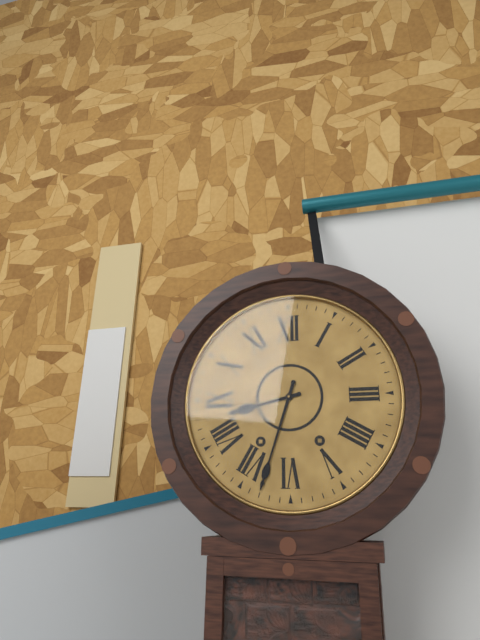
**8:33**
